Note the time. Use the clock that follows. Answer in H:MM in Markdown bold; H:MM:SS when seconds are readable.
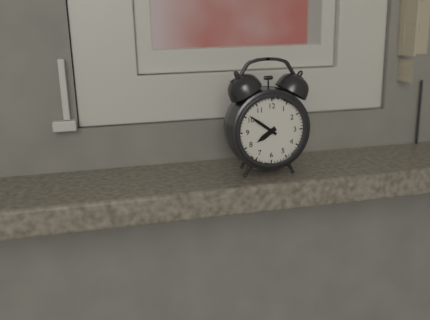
**7:51**
